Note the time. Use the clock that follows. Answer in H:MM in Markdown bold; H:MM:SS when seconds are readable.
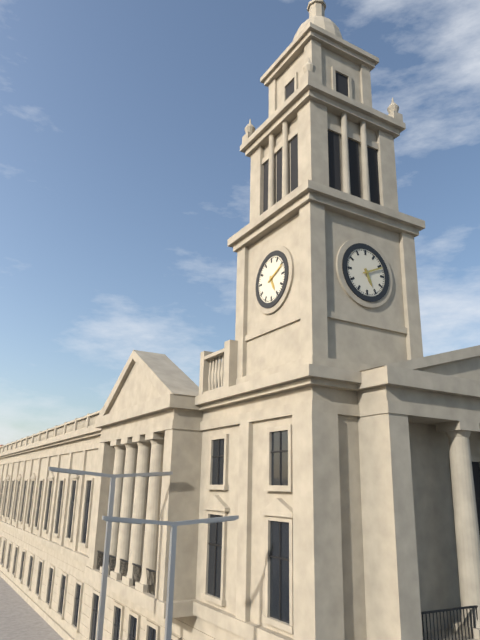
**5:11**
